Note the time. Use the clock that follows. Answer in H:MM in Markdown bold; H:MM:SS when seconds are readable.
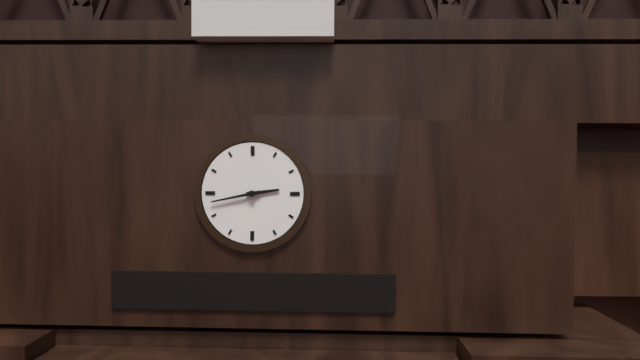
**2:43**
